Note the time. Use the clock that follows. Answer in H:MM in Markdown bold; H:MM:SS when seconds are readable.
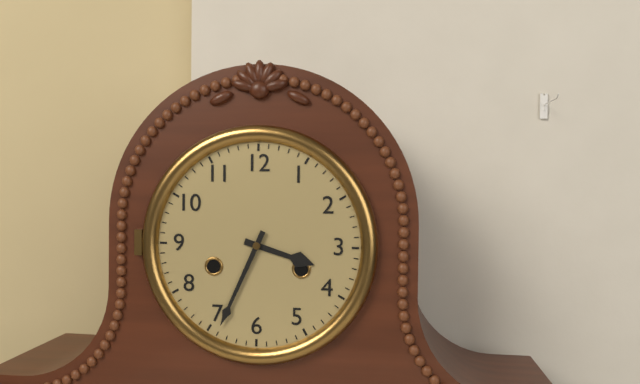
**3:34**
